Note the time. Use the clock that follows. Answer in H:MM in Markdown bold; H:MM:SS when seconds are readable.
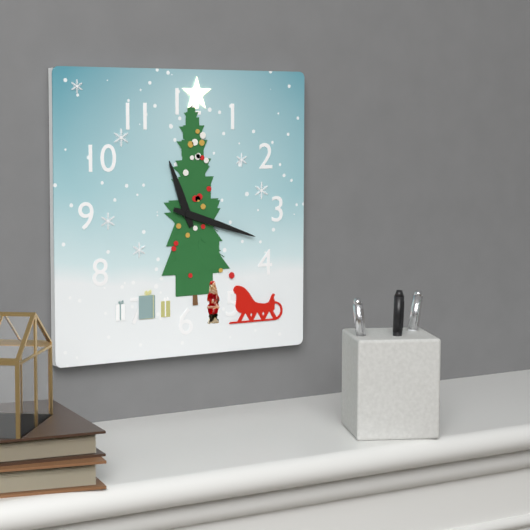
**11:18**
